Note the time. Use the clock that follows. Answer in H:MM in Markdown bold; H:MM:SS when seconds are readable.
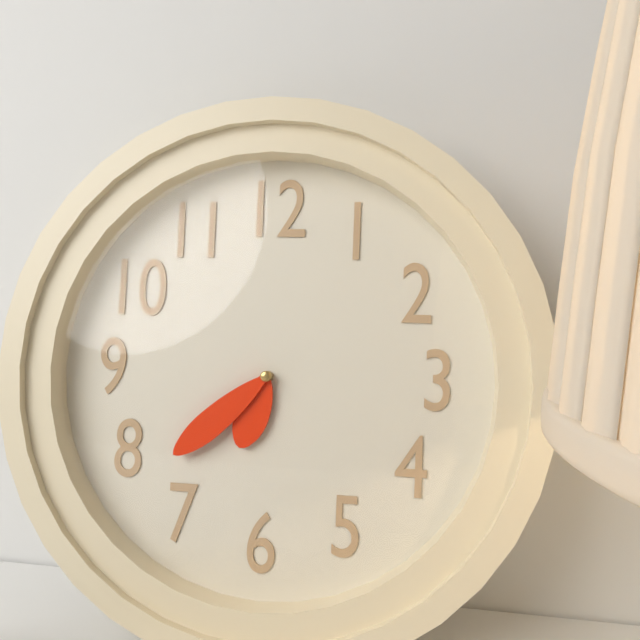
**6:38**
